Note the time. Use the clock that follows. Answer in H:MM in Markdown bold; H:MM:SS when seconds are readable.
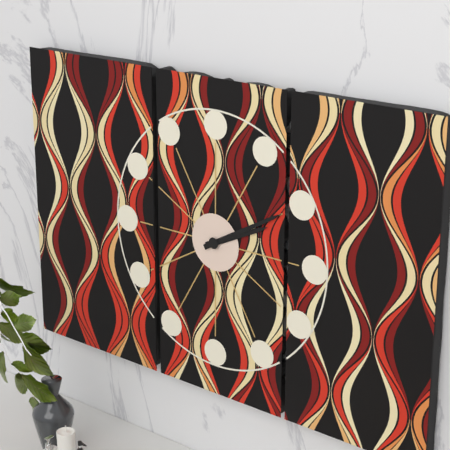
**2:10**
